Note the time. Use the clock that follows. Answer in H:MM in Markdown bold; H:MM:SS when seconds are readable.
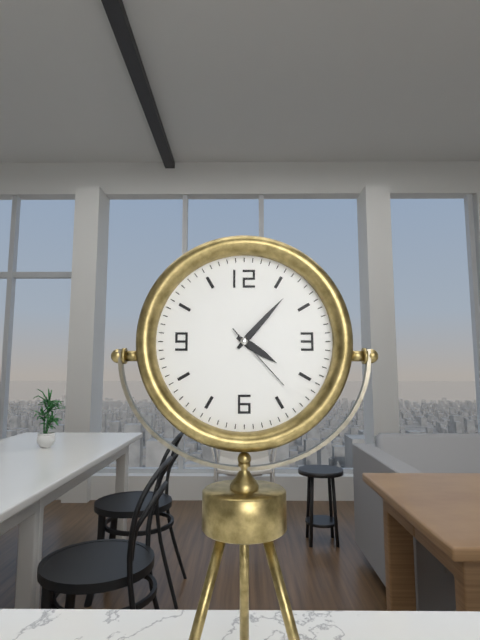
**4:07:23**
